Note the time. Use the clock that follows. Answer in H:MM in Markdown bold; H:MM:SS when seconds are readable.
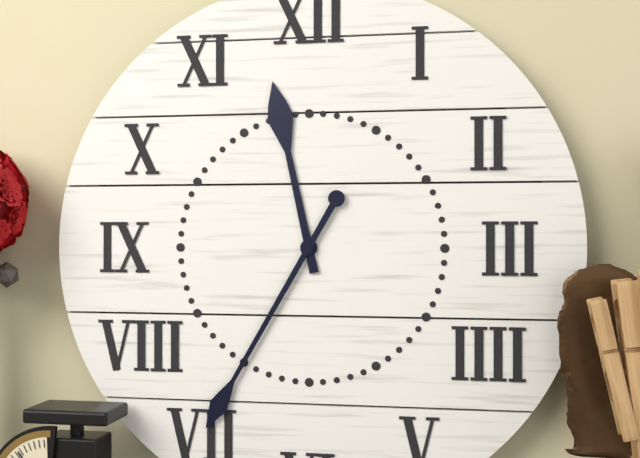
**11:35**
